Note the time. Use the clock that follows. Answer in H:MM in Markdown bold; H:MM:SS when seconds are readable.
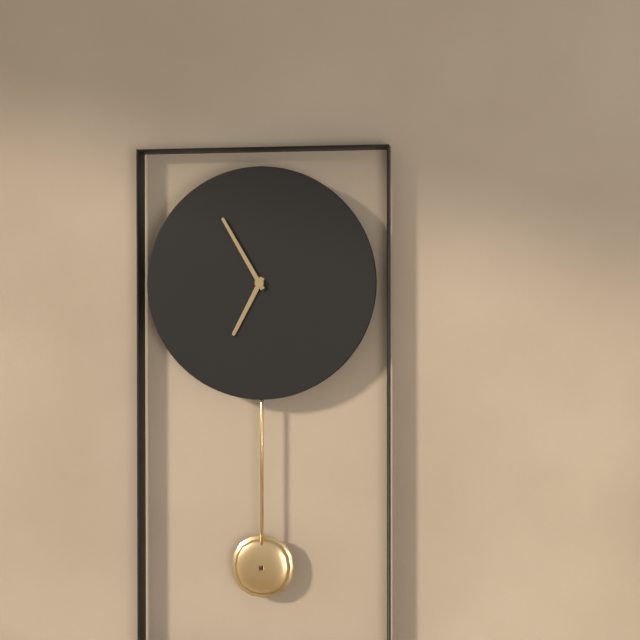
**6:55**
